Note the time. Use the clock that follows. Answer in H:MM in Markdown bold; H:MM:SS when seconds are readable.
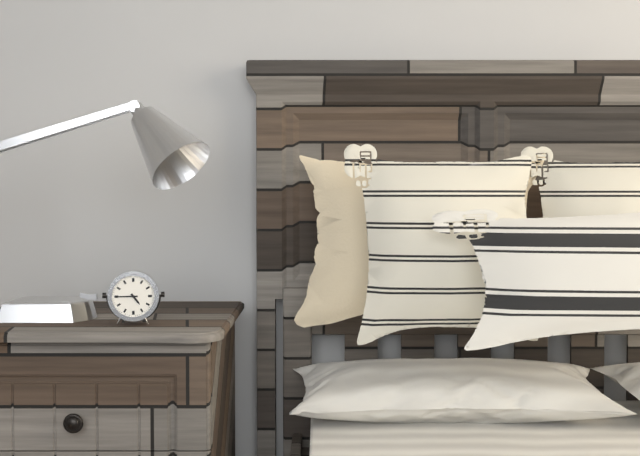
**4:45**
